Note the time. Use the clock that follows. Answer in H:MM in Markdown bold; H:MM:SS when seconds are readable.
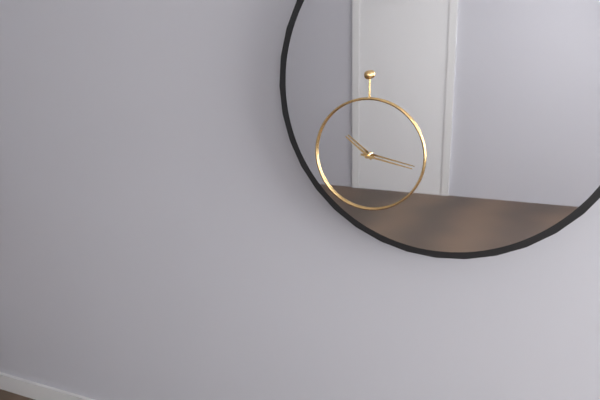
**10:17**
